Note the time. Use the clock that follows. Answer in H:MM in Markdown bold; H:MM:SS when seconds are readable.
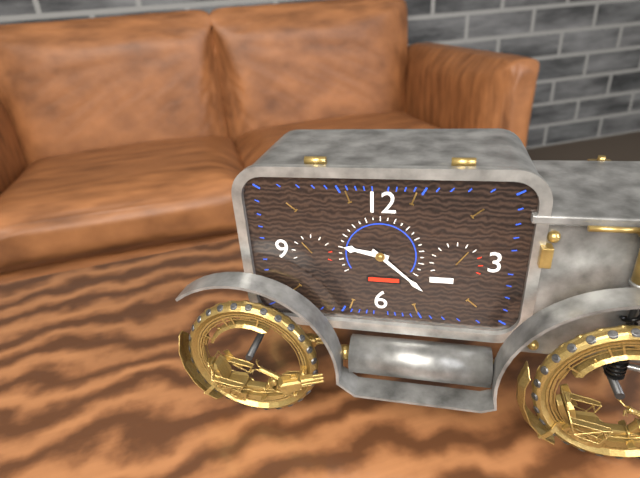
**9:22**
